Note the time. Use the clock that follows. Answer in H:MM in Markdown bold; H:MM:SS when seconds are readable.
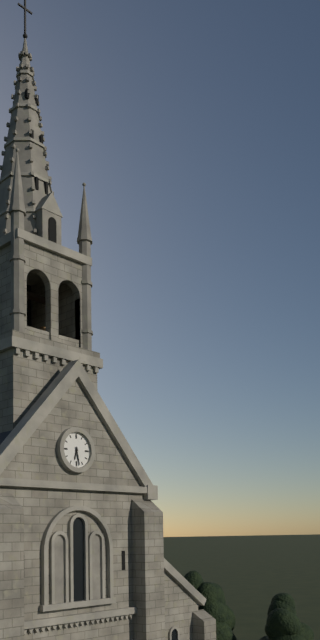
**6:28**
